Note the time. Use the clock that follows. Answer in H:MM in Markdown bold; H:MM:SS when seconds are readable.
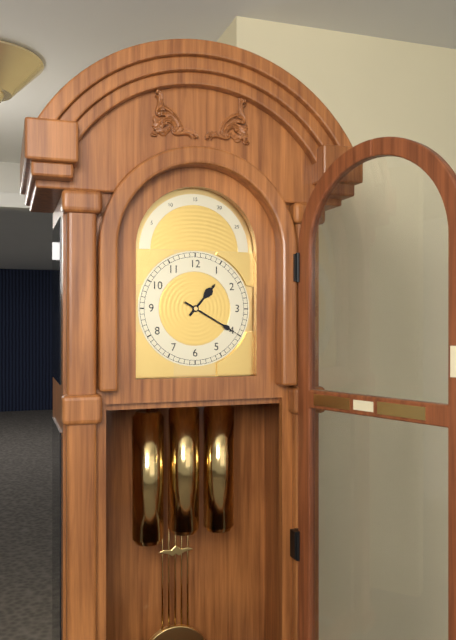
**1:20**
